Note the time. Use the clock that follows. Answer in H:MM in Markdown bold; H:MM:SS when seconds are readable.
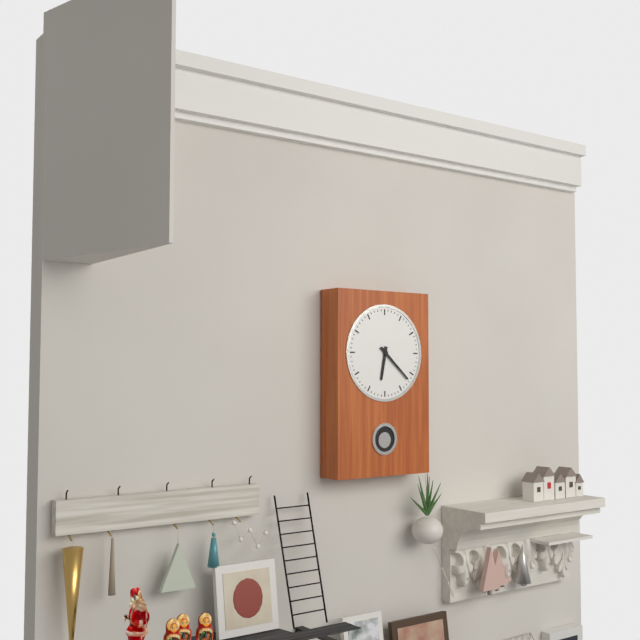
**6:22**
